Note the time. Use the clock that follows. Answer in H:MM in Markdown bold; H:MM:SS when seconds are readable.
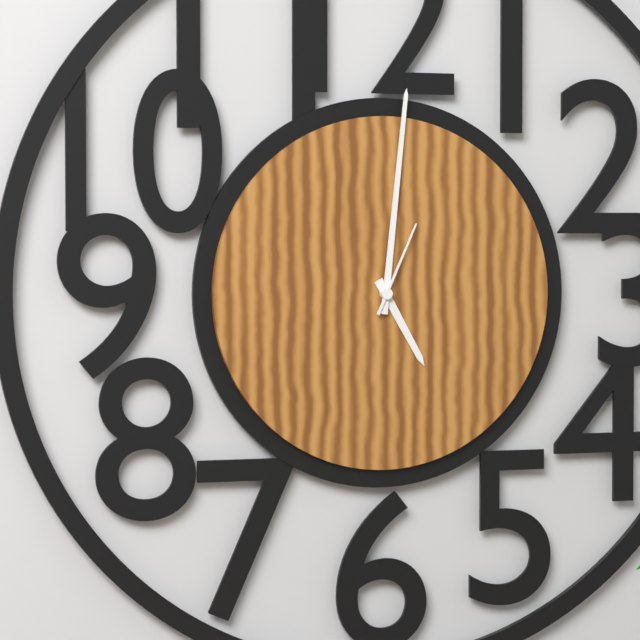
**5:01:04**
